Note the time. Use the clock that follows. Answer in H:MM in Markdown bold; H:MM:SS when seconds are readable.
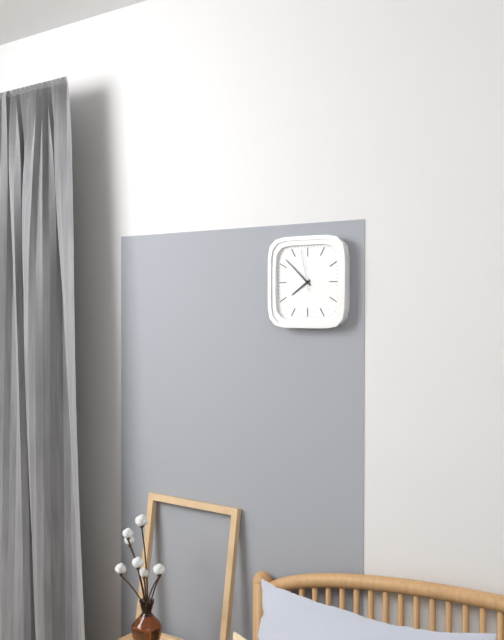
**7:52**
